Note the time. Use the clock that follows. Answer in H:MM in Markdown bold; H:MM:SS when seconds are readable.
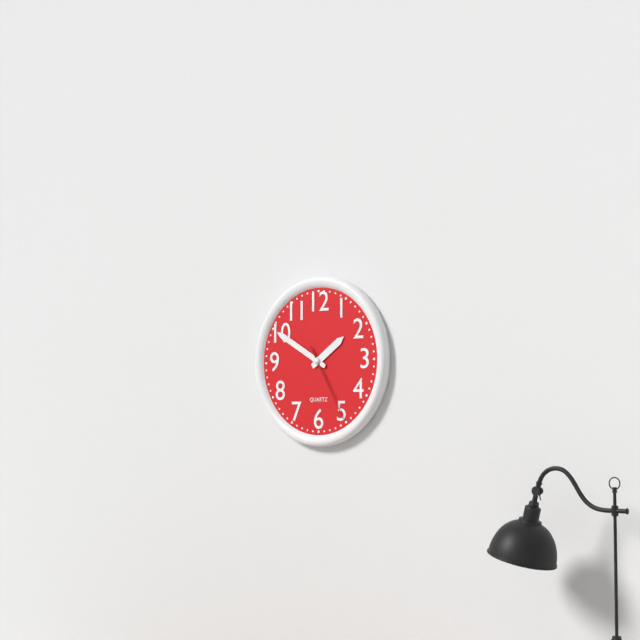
**1:50:25**
